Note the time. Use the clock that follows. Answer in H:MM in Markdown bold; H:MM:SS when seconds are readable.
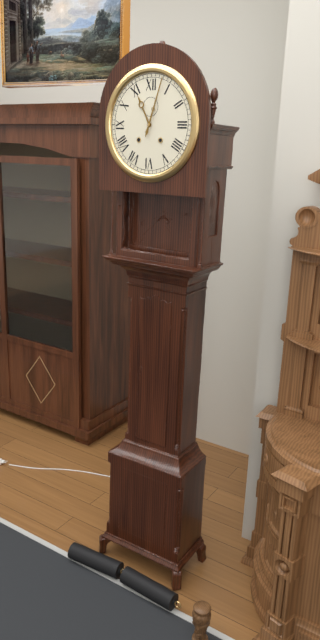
**11:03**
